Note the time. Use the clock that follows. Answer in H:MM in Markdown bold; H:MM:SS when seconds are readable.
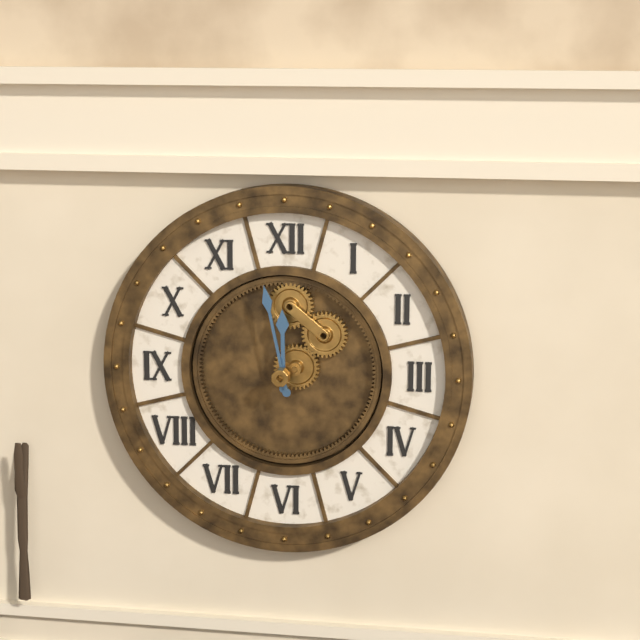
**11:58**
